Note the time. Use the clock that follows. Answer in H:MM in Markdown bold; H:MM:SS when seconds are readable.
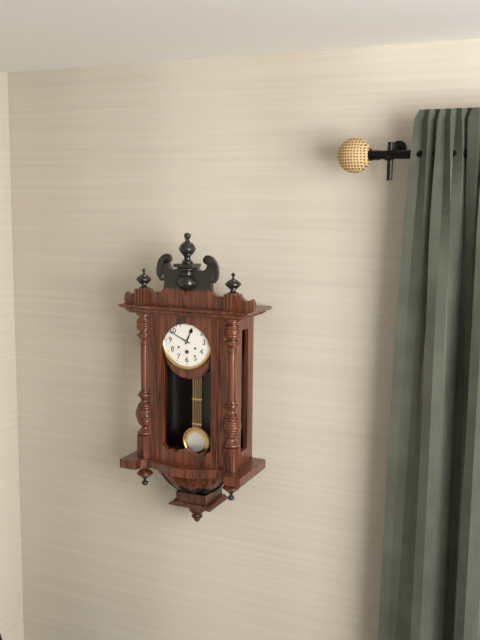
**12:49**
